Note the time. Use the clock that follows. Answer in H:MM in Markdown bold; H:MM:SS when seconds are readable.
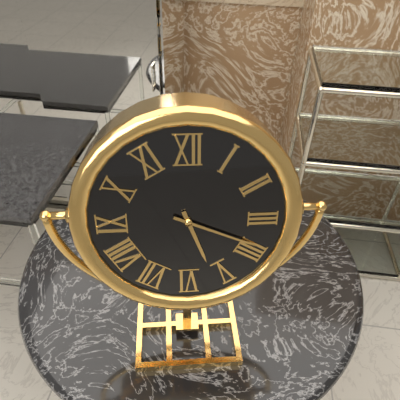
**5:19**
